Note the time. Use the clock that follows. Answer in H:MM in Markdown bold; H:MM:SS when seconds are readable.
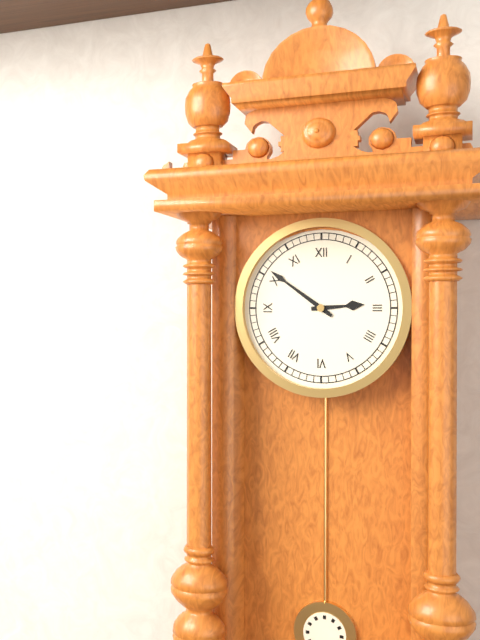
**2:51**
